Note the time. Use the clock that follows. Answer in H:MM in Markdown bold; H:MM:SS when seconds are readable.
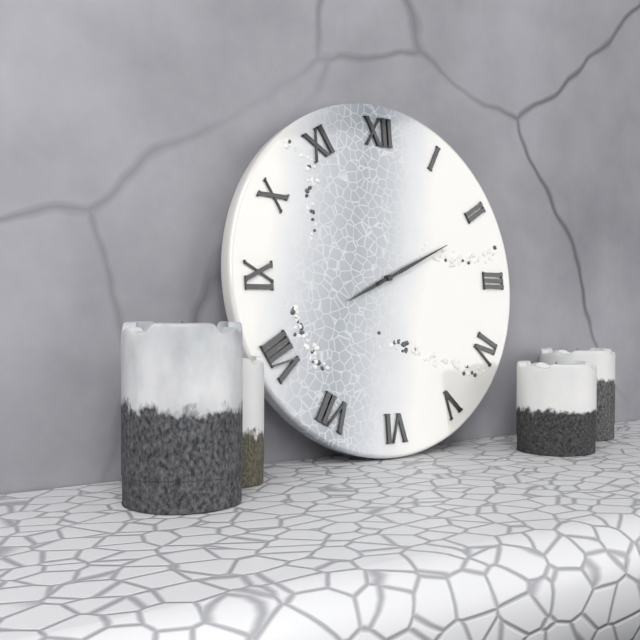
**8:11**
